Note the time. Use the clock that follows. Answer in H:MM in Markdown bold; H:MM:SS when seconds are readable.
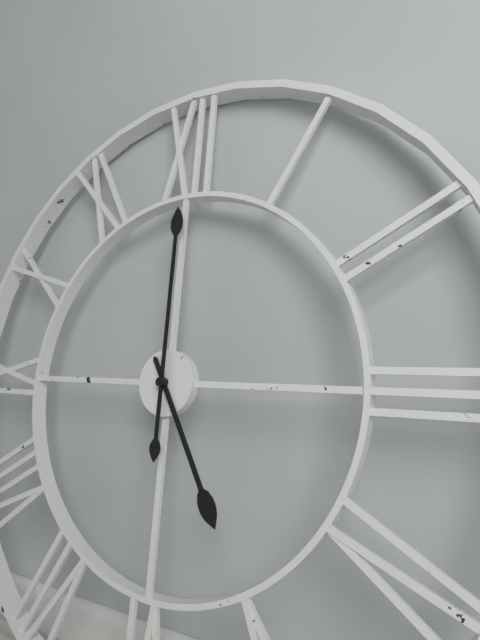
**5:00**
